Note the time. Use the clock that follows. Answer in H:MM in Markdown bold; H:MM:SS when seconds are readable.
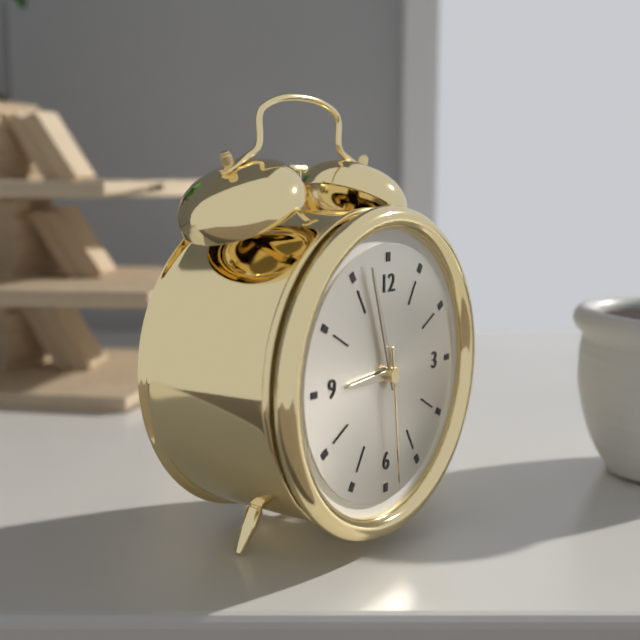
**8:57:29**
